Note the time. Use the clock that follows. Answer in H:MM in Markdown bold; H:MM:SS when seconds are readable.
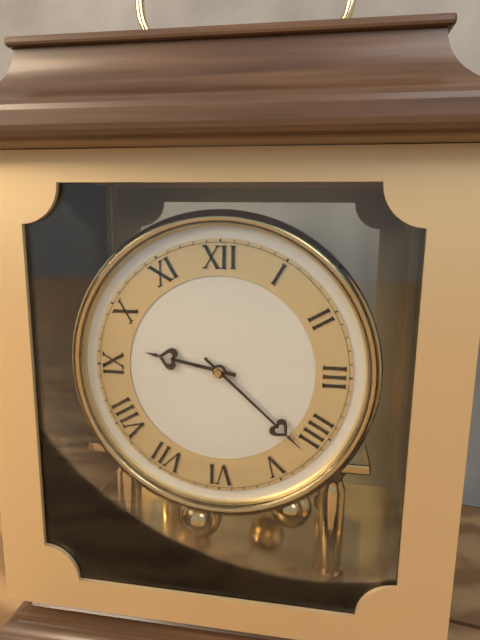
**9:22**
